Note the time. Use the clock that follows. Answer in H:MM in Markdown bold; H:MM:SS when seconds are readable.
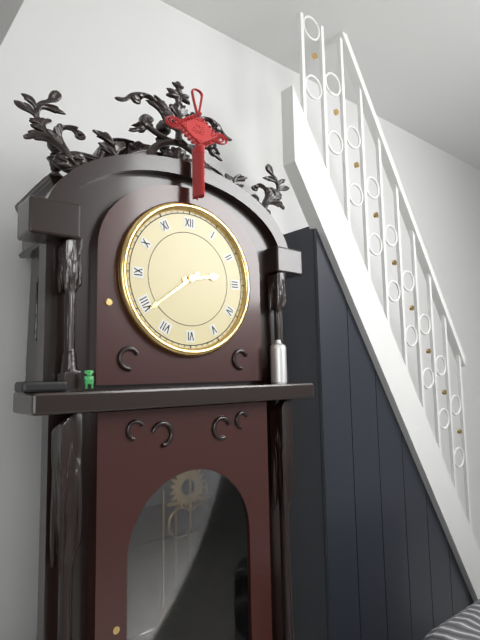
**2:39**
